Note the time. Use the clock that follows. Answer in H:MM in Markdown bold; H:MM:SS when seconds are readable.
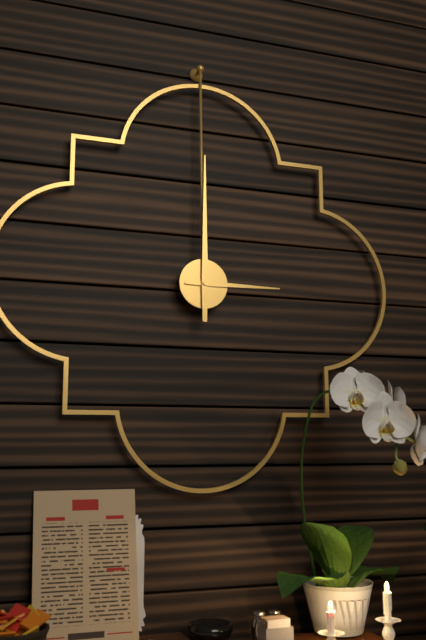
**3:00**
